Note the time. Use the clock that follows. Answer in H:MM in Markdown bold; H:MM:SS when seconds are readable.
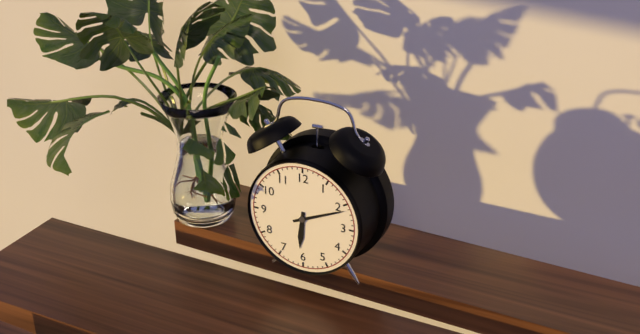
**6:11**
